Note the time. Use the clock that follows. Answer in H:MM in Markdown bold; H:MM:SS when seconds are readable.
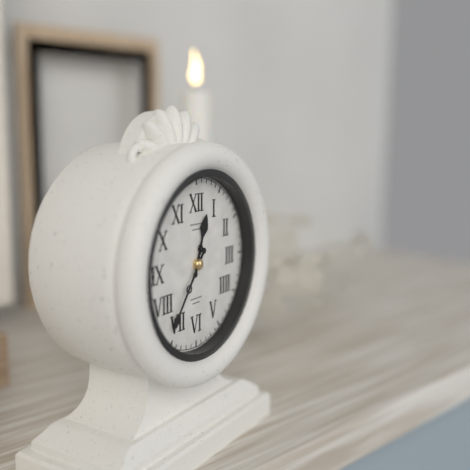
**12:36**
